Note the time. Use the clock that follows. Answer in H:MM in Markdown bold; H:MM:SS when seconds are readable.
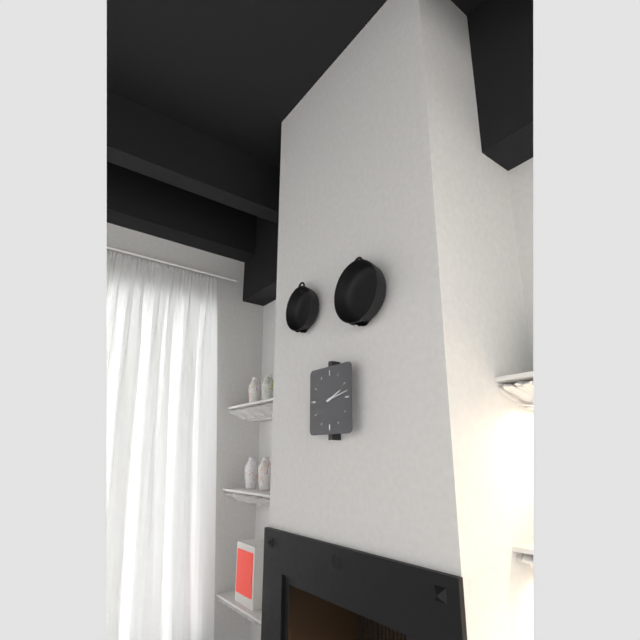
**2:13**
